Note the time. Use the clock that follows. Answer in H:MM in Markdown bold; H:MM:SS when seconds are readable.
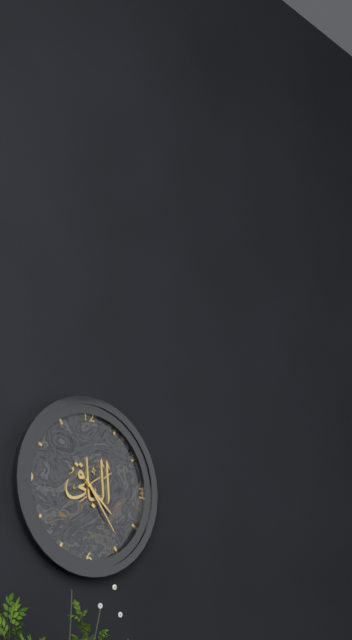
**4:24**
